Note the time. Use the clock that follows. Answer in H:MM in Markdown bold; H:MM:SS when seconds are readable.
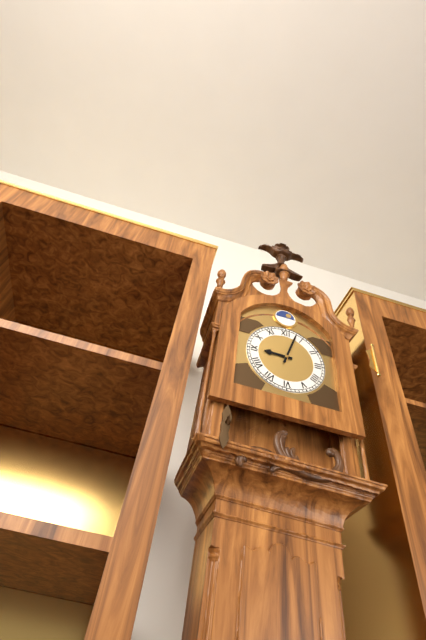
**9:03**
